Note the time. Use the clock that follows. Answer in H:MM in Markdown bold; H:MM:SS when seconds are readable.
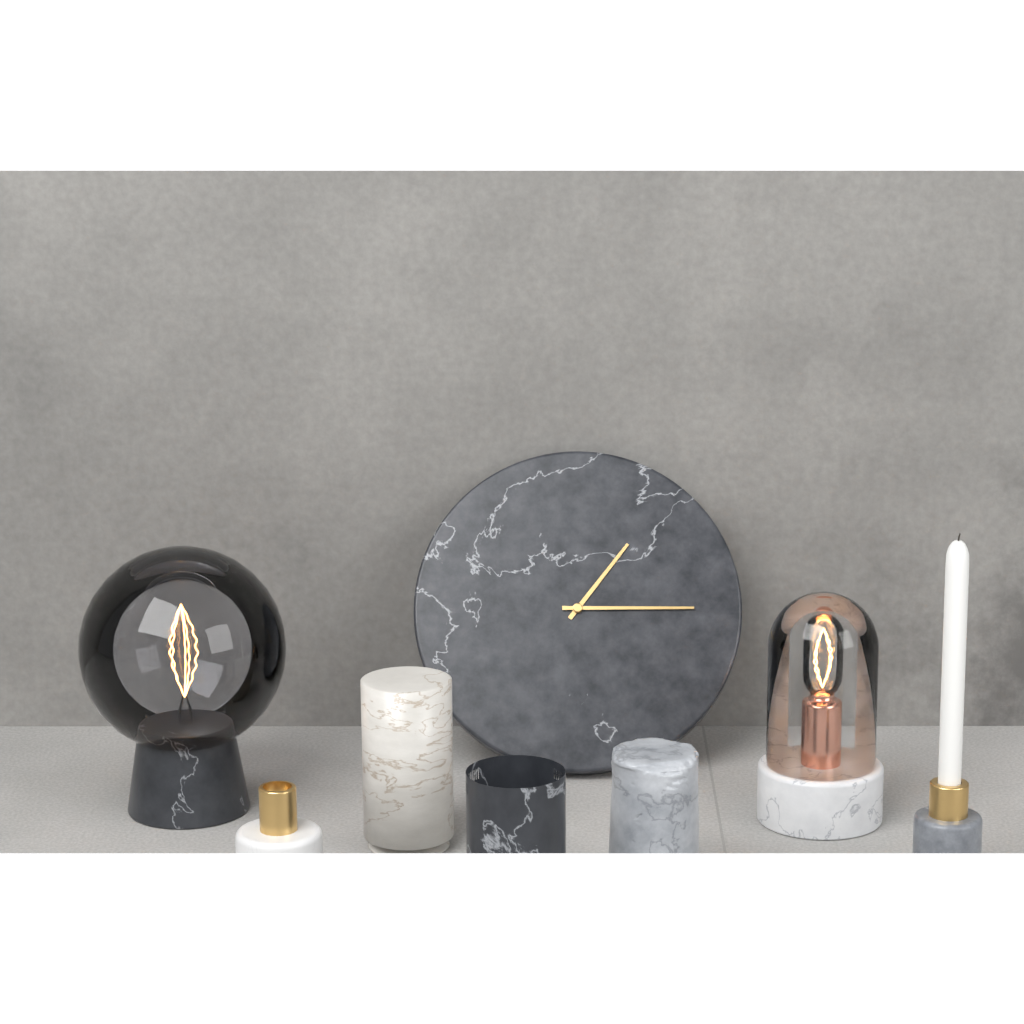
**1:15**
